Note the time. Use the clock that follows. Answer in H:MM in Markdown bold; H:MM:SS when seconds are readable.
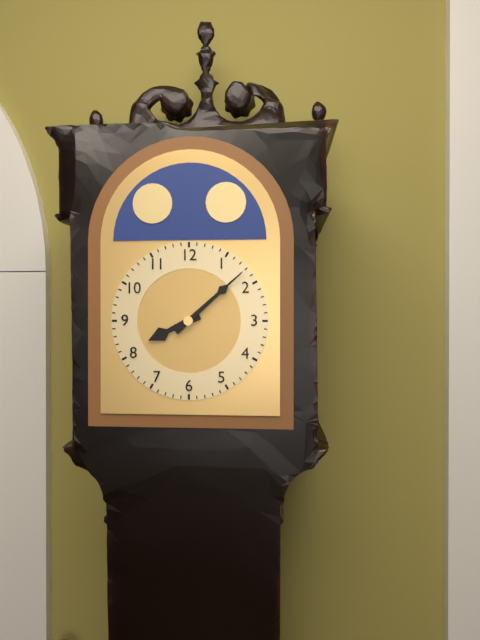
**8:08**
